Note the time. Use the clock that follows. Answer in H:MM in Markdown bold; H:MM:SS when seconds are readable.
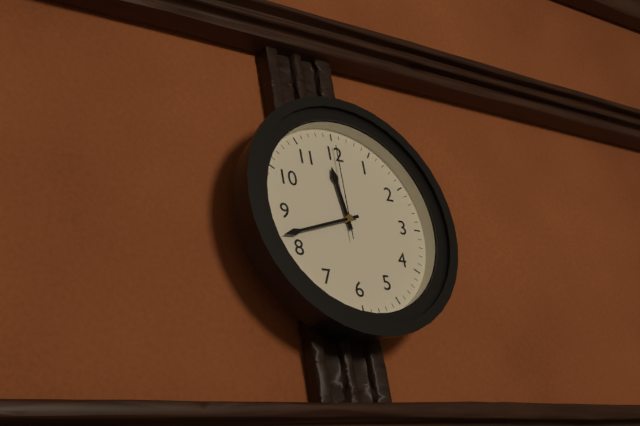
**11:42:00**
